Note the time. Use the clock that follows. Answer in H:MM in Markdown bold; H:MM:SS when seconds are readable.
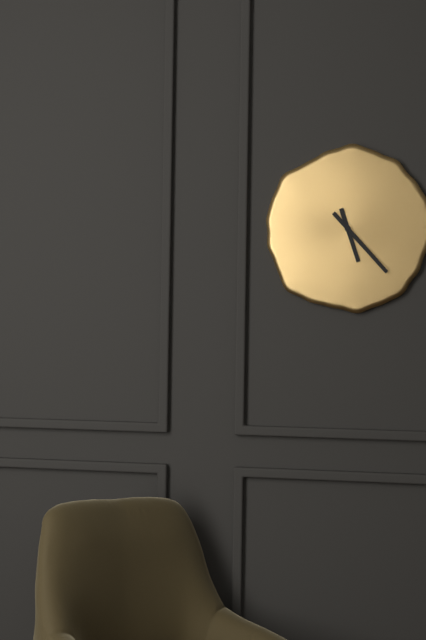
**5:23**
